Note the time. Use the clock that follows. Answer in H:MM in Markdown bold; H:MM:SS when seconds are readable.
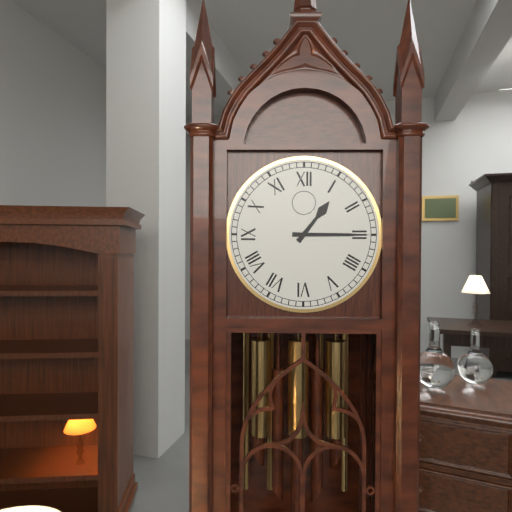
**1:15**
